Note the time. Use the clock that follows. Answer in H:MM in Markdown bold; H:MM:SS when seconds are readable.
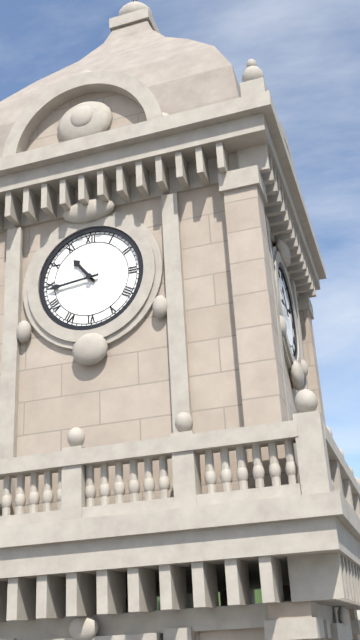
**10:44**
